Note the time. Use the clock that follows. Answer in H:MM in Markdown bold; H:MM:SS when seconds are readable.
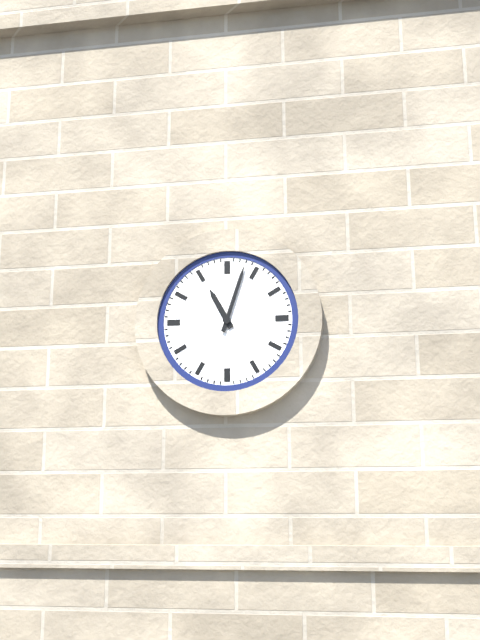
**11:03**
